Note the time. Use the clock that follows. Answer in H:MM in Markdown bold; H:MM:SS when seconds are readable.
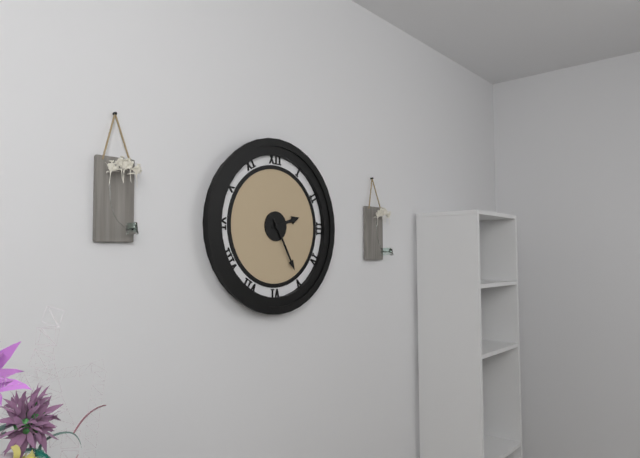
**2:25**
